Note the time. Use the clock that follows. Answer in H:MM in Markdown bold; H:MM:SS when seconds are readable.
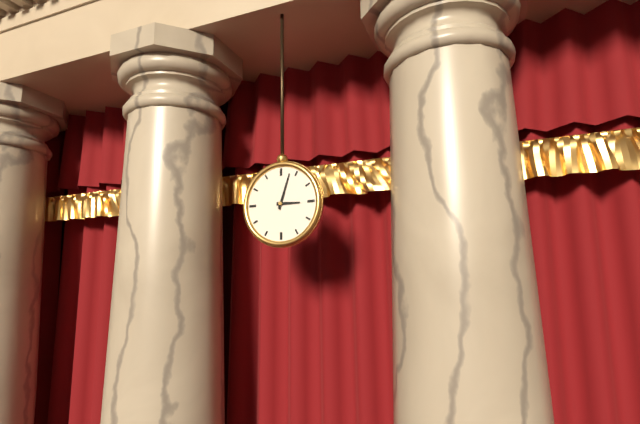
**3:03**
